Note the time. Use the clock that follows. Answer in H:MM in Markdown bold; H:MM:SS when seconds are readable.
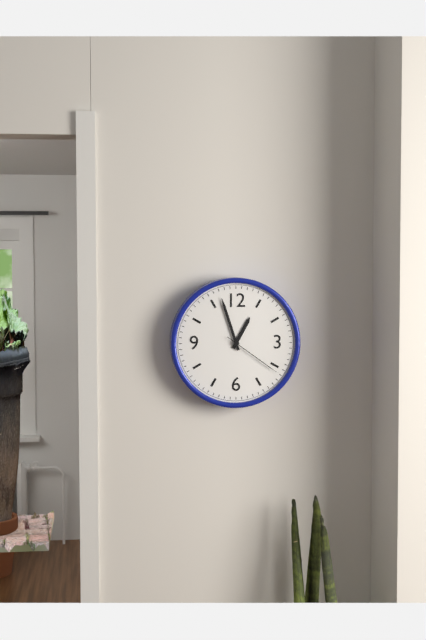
**12:57:21**
